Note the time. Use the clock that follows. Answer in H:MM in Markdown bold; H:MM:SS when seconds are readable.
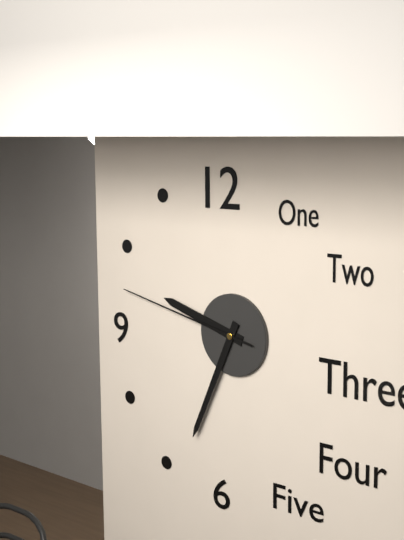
**9:34:47**
